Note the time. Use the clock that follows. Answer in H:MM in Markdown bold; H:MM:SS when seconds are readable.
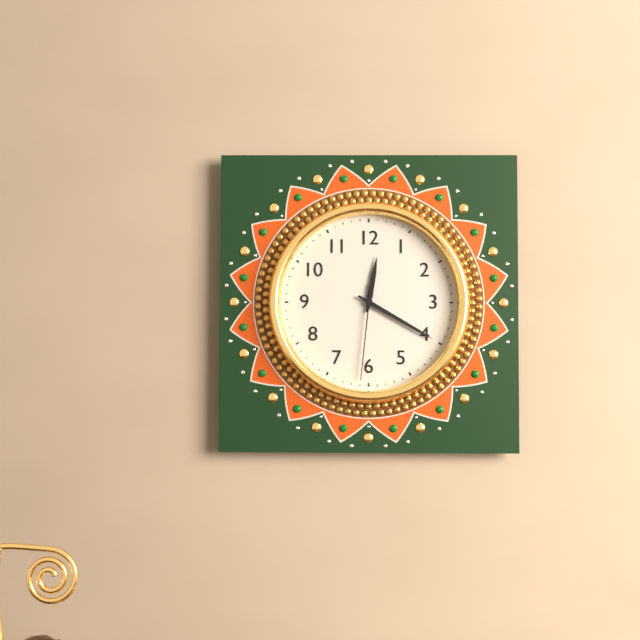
**12:20:31**
